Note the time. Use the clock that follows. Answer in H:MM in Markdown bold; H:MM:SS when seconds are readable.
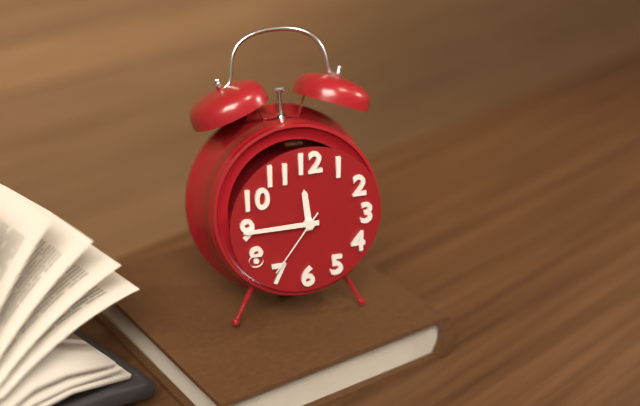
**11:45:36**
